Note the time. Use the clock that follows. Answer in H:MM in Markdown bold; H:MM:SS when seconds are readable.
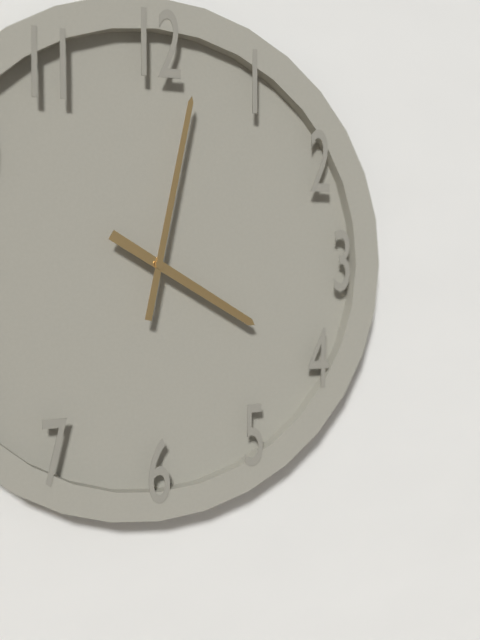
**4:02**
